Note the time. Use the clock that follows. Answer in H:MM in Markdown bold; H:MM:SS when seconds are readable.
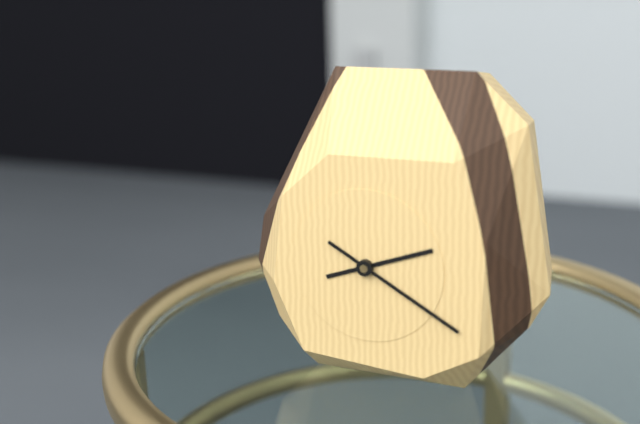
**2:20**
